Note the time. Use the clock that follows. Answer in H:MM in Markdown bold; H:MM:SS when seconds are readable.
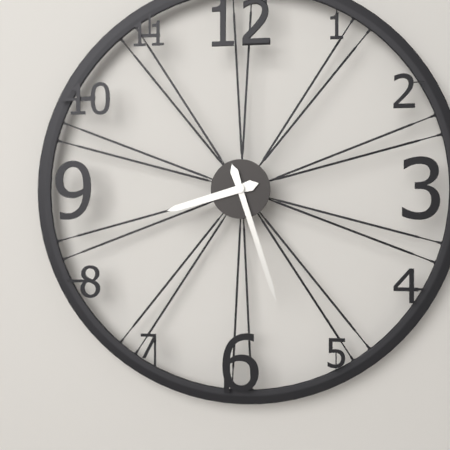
**8:27**
